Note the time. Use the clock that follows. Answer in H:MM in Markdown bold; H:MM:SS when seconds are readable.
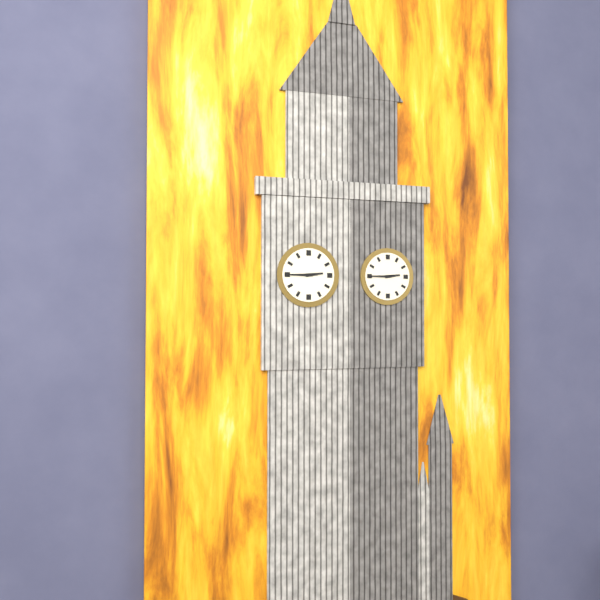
**2:45**
